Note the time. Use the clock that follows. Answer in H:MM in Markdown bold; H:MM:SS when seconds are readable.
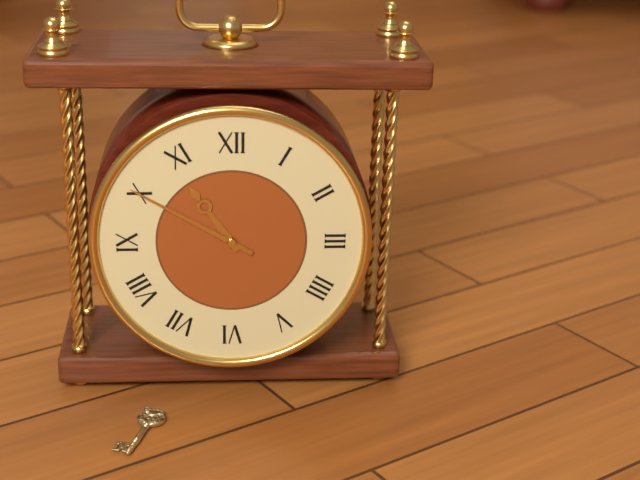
**10:50**
